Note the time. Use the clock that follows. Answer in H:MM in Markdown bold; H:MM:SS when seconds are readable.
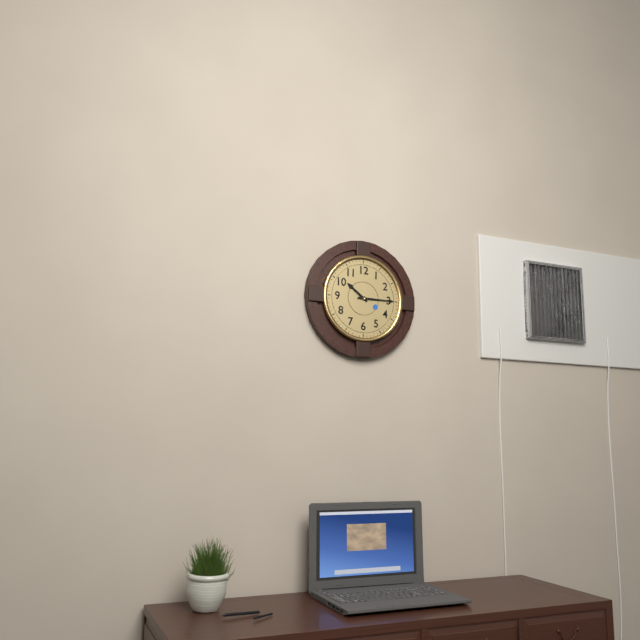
**10:15**
